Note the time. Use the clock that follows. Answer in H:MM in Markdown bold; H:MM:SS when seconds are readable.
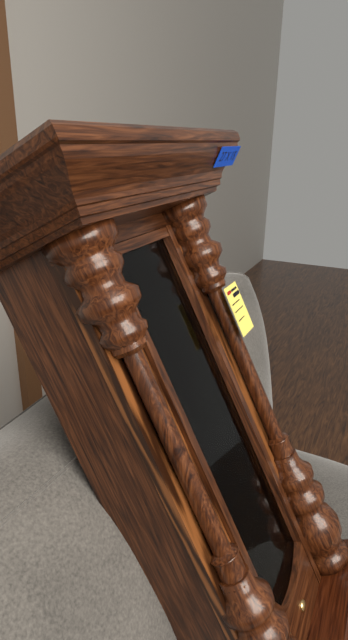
**9:09**
